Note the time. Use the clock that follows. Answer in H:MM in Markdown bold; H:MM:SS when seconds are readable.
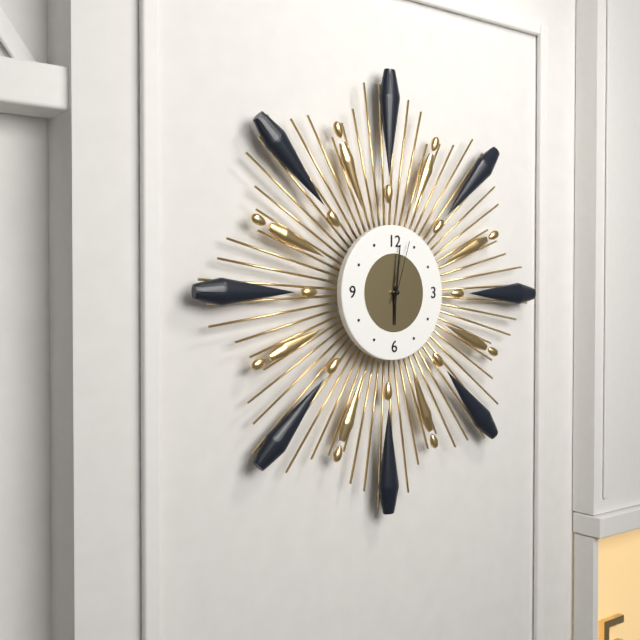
**6:01:03**
